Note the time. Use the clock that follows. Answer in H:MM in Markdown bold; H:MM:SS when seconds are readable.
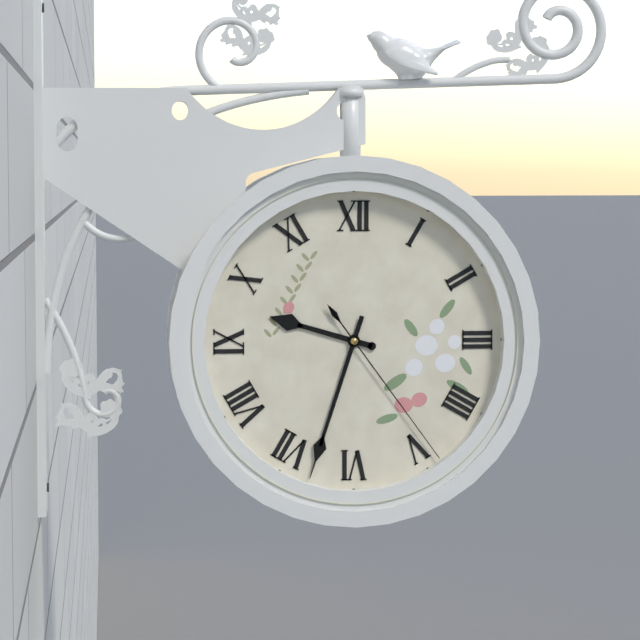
**9:33:24**
